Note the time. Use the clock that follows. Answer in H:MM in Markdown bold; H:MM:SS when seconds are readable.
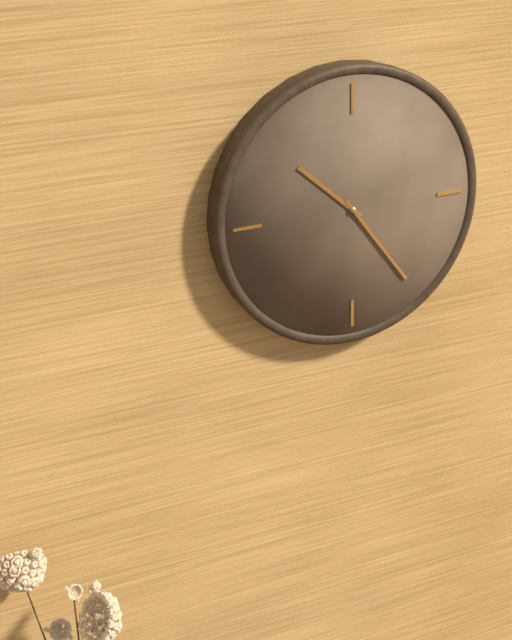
**10:24**
